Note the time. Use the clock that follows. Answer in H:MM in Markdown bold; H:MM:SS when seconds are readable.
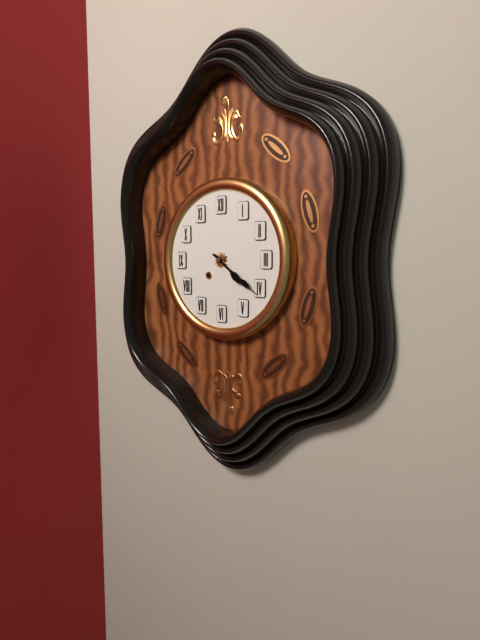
**4:21**
